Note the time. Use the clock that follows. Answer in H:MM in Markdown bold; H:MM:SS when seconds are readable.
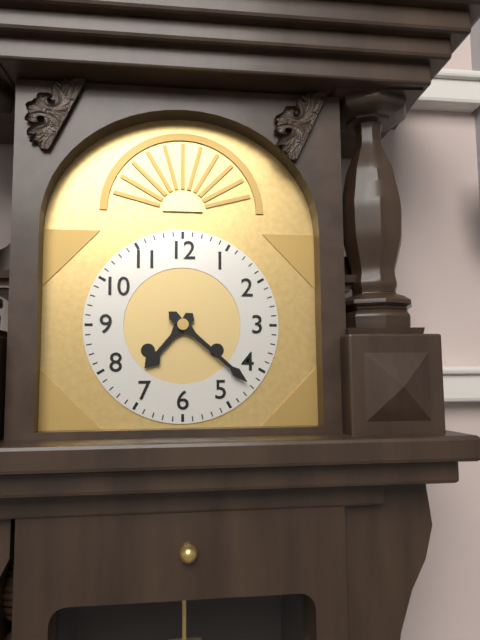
**7:22**
